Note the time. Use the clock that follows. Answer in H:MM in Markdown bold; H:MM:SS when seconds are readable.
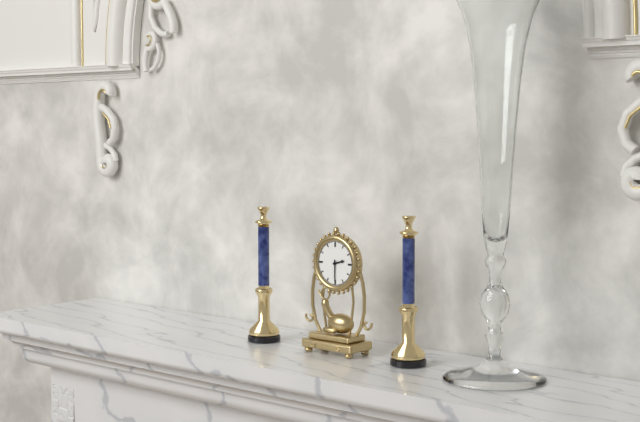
**2:30**
